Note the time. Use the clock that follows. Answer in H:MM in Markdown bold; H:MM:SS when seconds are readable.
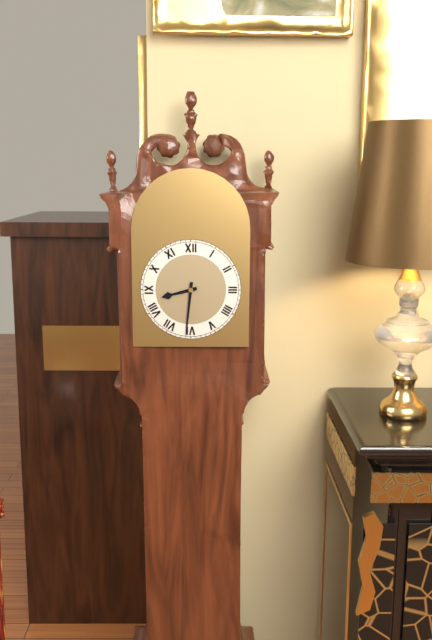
**8:31**
